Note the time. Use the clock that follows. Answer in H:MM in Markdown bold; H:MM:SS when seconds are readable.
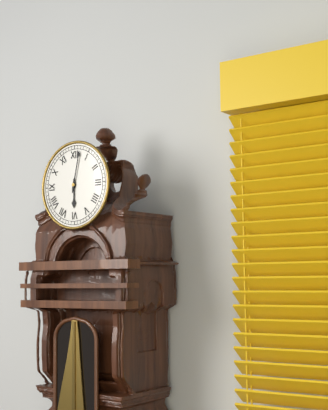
**6:02**
